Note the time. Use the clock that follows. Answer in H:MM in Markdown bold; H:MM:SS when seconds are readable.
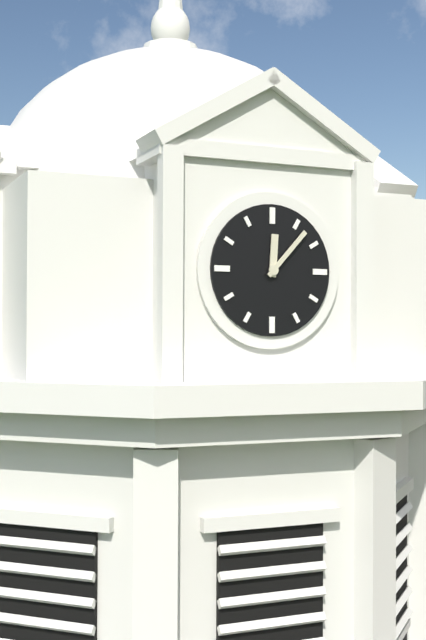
**12:07**
